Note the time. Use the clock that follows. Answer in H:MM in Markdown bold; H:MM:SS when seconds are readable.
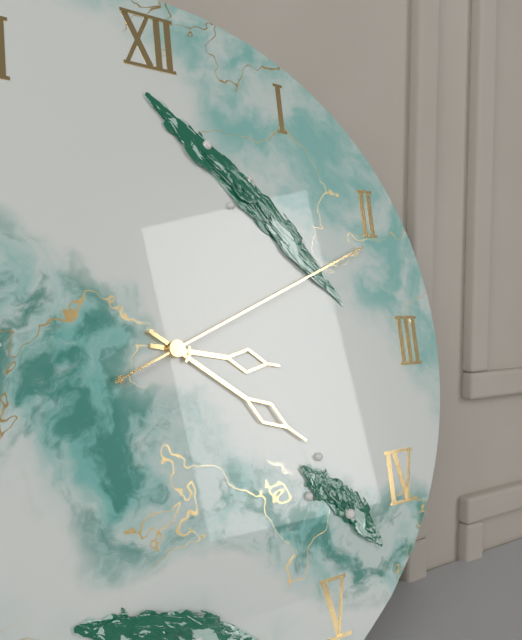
**3:21:11**
